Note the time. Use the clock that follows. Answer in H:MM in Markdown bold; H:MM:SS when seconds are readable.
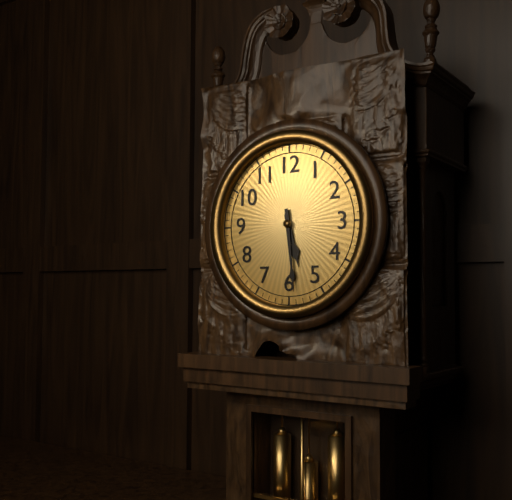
**5:29**
